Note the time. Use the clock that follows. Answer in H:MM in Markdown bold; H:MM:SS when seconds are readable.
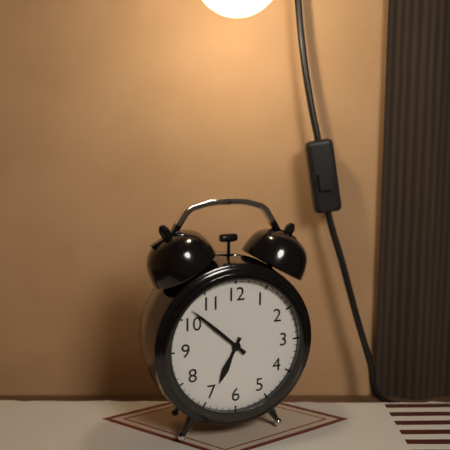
**6:52**
